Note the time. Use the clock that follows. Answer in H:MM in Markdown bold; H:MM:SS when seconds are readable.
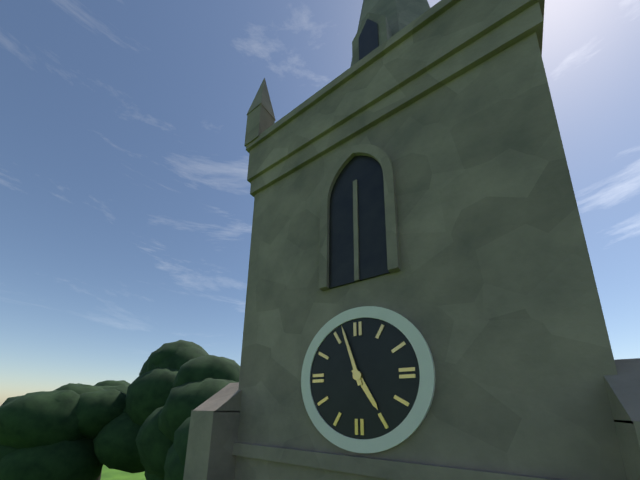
**4:57**
